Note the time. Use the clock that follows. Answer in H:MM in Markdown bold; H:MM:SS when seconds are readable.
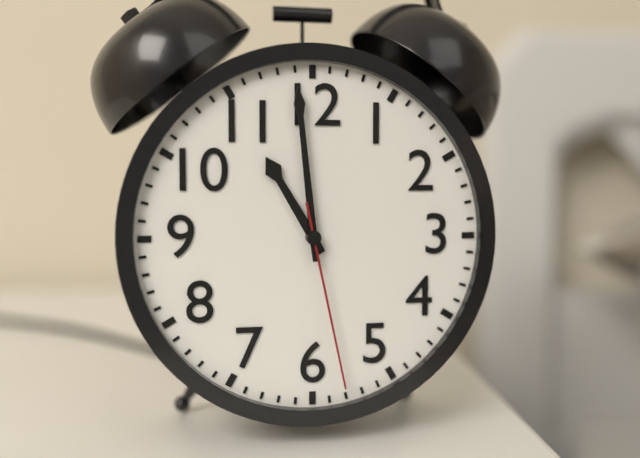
**10:59:28**
